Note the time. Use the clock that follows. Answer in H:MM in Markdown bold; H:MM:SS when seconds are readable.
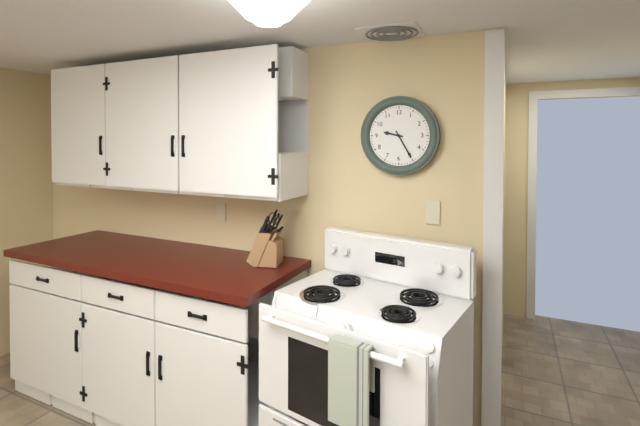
**9:25**
